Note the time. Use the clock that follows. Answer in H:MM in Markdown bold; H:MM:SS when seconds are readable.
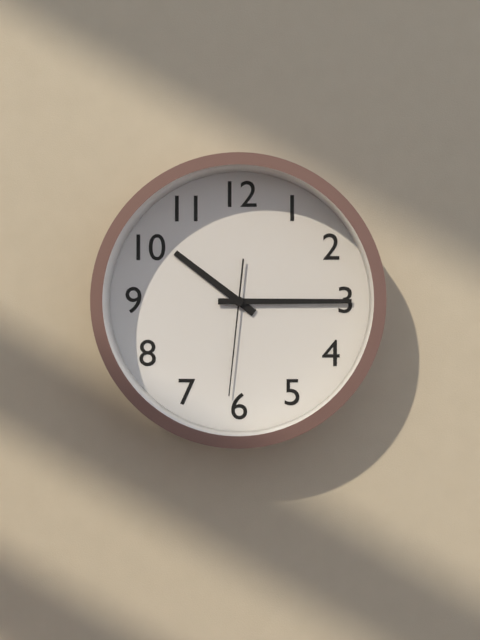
**10:15:31**
